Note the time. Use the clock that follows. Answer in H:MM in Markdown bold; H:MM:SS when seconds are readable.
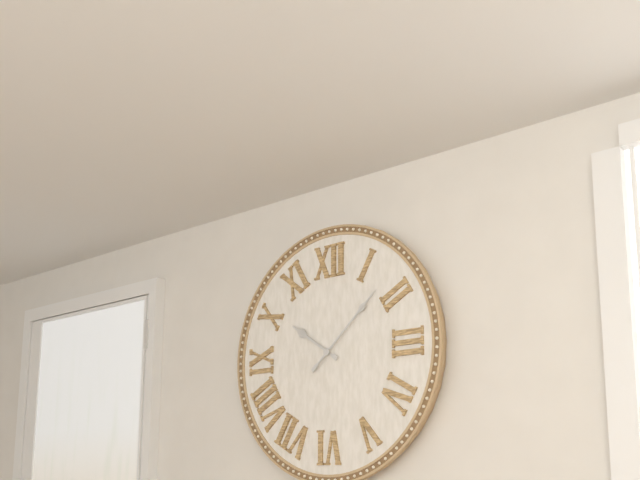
**10:08**
